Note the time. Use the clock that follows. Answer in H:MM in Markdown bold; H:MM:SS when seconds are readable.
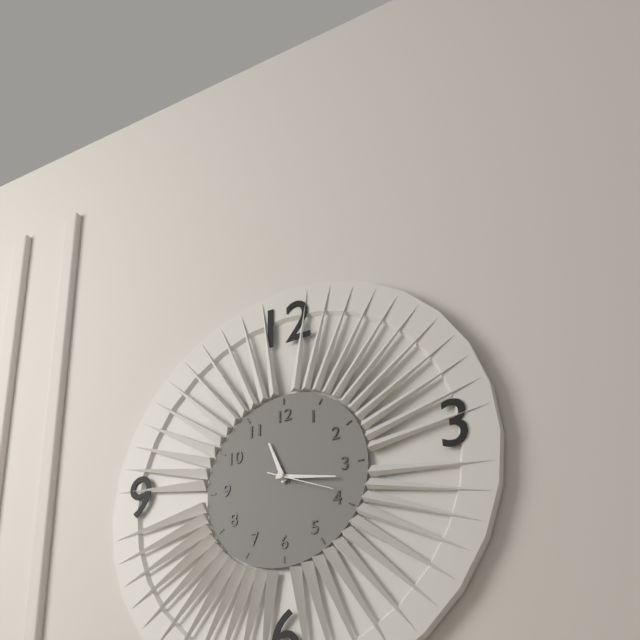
**11:17:19**
